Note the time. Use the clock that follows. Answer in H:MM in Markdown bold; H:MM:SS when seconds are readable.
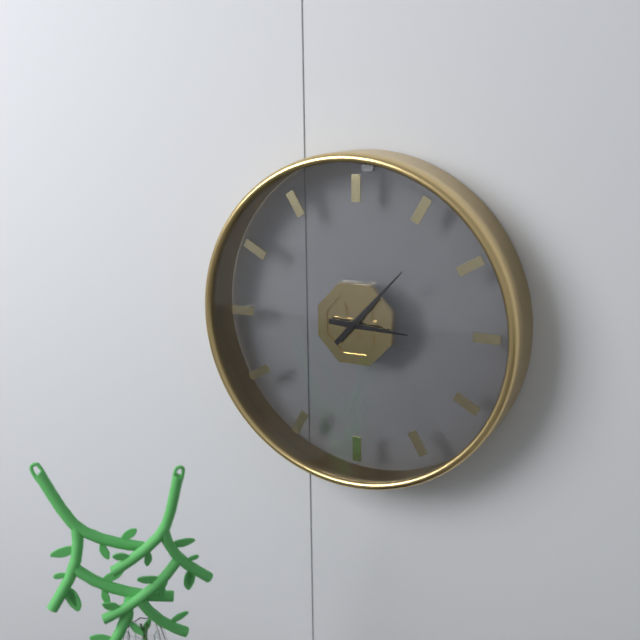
**3:07**
